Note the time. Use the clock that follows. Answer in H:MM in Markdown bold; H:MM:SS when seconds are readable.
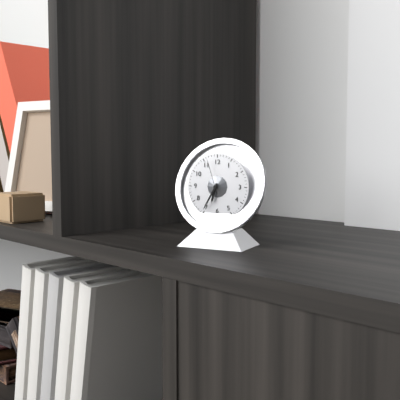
**6:35**
